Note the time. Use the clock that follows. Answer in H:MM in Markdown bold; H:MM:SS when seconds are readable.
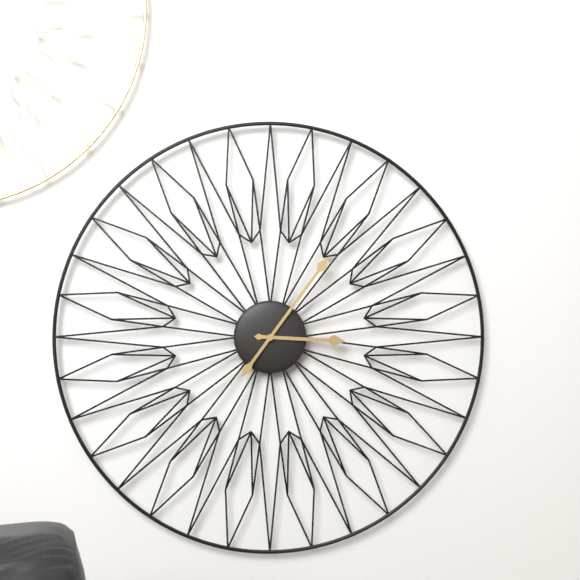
**3:06**
